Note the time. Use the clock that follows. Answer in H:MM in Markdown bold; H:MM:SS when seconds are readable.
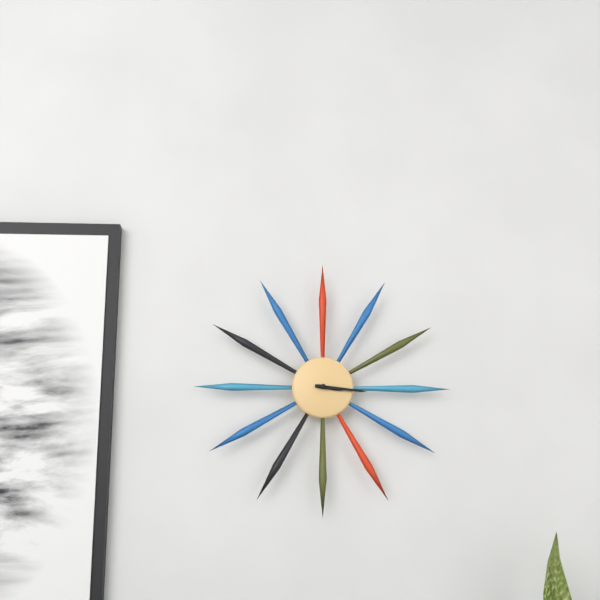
**3:16**
